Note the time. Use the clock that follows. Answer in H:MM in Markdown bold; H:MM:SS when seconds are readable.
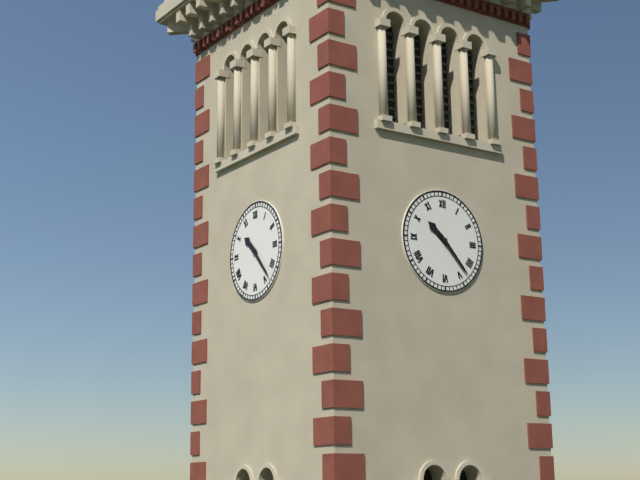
**10:23**
